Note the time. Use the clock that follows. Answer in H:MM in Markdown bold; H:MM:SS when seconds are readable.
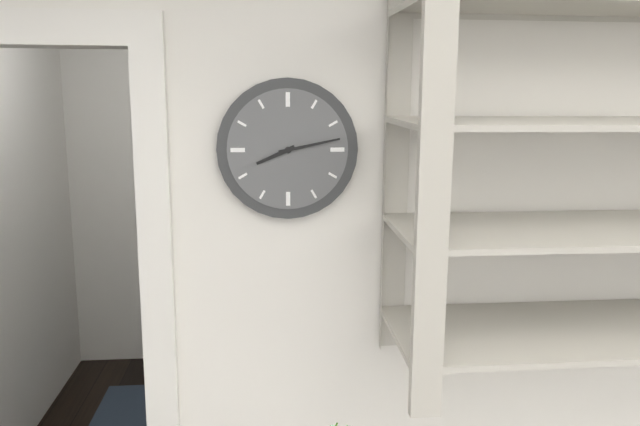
**8:13**
